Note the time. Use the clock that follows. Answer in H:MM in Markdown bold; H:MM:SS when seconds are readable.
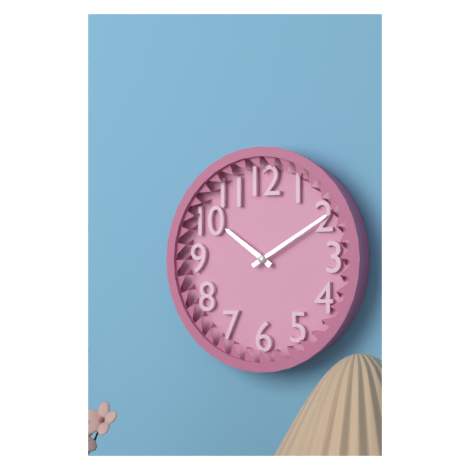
**10:10**
